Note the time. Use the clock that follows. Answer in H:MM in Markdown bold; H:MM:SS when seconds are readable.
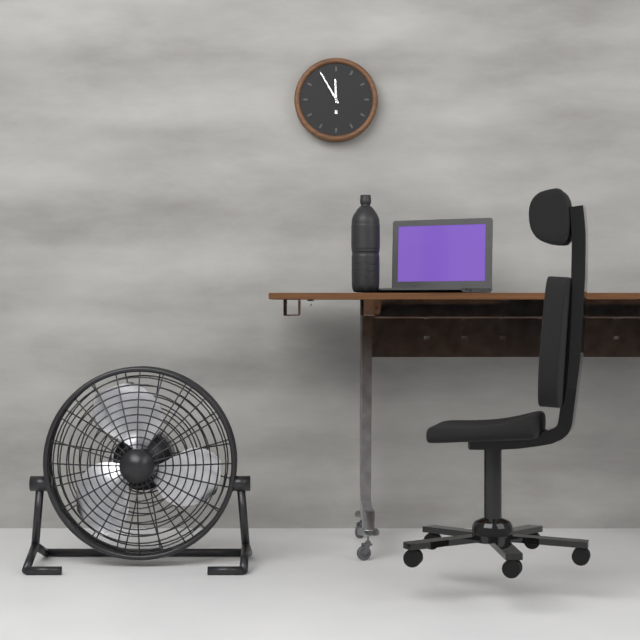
**11:55**
